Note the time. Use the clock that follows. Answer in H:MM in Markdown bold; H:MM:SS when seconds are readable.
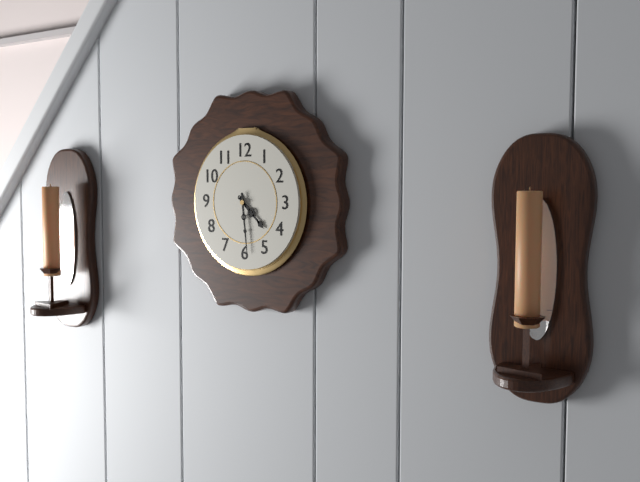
**4:29**
